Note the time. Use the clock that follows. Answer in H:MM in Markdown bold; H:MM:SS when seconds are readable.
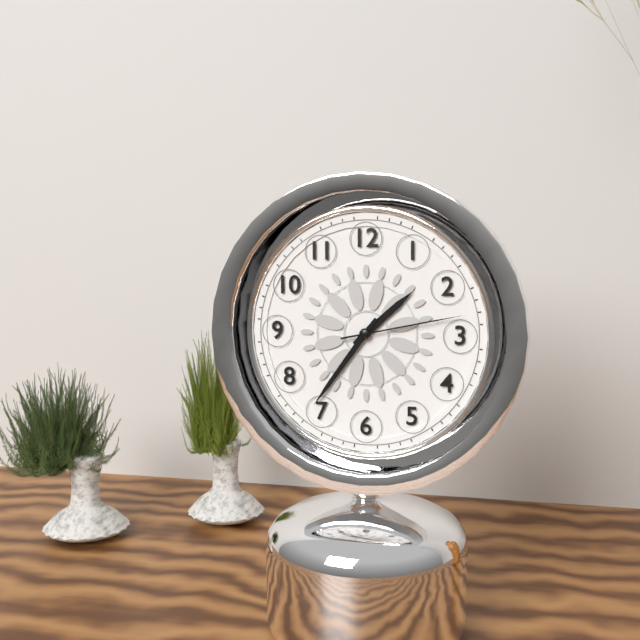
**1:36:13**
